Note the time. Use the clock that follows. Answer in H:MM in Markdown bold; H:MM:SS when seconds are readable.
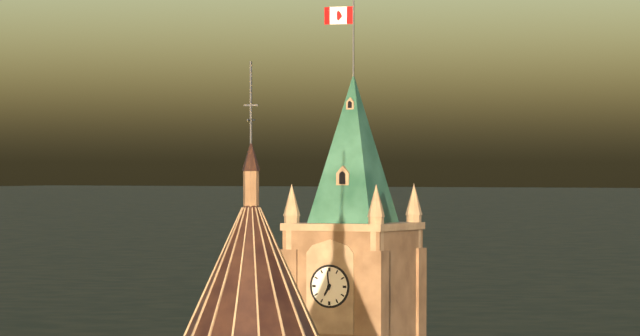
**6:59**
